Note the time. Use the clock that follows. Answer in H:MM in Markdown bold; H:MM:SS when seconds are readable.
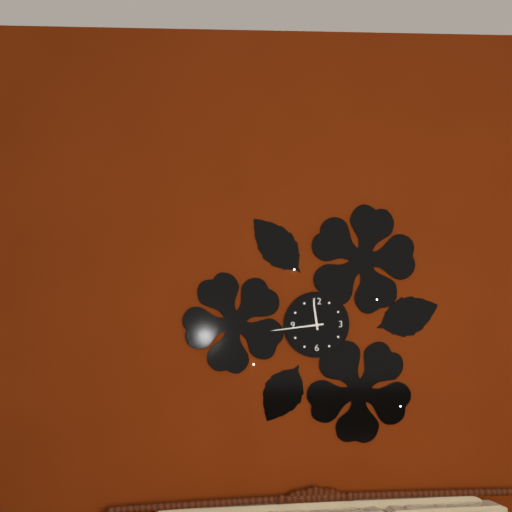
**11:44**
